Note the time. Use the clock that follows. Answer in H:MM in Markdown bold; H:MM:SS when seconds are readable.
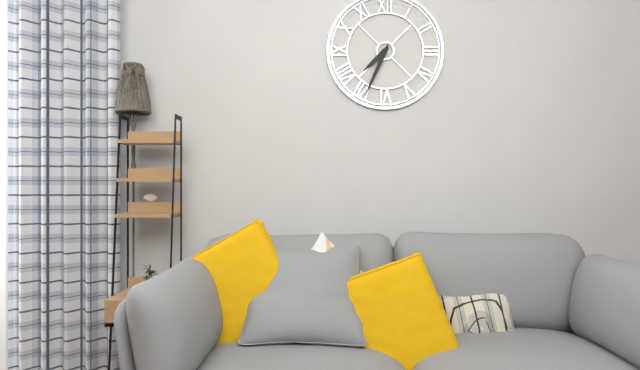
**7:34**
